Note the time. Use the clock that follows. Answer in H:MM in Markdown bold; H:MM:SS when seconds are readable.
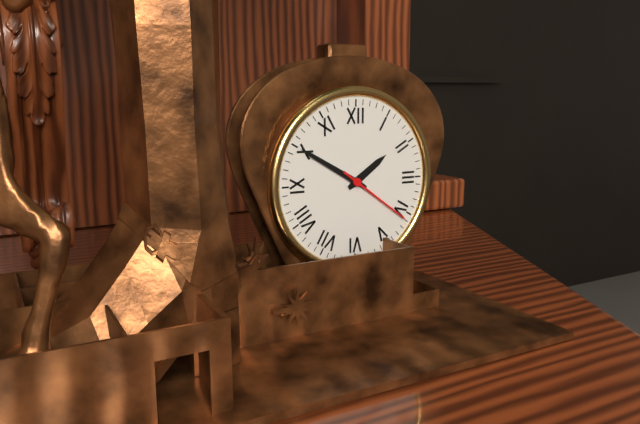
**1:50:21**
